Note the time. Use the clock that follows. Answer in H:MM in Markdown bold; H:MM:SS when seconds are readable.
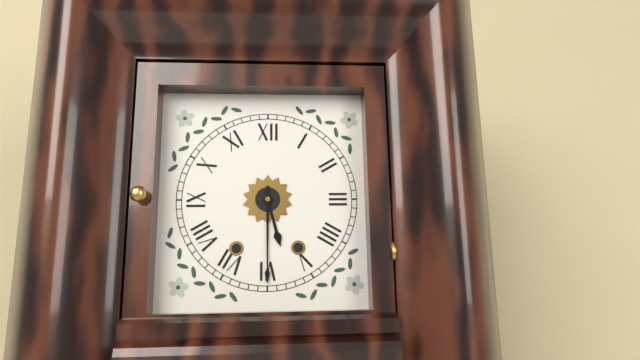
**5:30**
